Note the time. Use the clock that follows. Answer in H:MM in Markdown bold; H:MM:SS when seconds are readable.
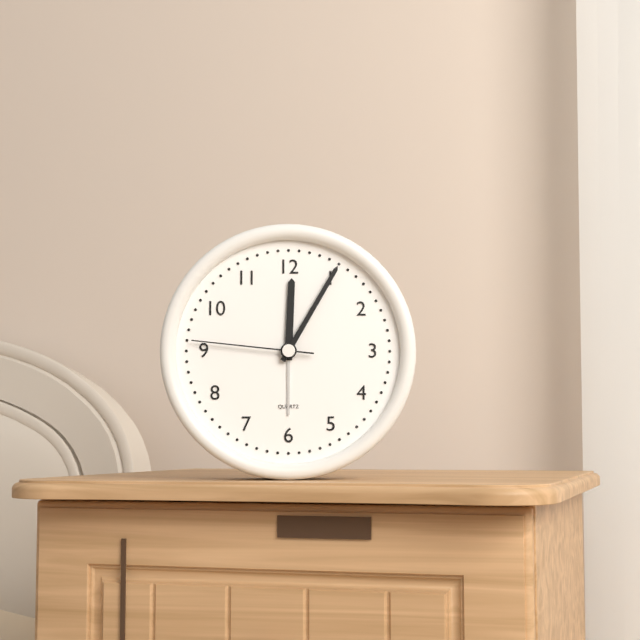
**12:05:46**
